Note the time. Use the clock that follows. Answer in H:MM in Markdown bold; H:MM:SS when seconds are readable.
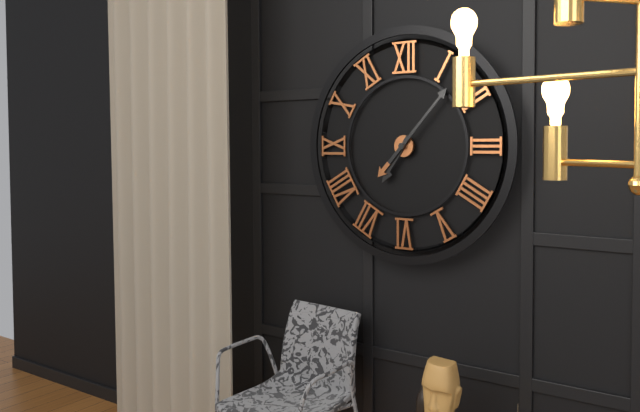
**7:07**
